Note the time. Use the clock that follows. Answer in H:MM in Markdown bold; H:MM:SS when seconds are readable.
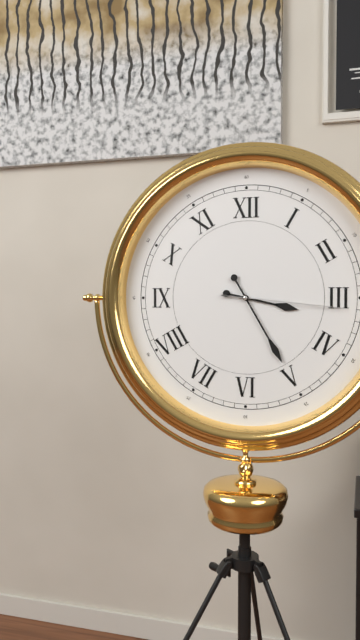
**3:25:16**
